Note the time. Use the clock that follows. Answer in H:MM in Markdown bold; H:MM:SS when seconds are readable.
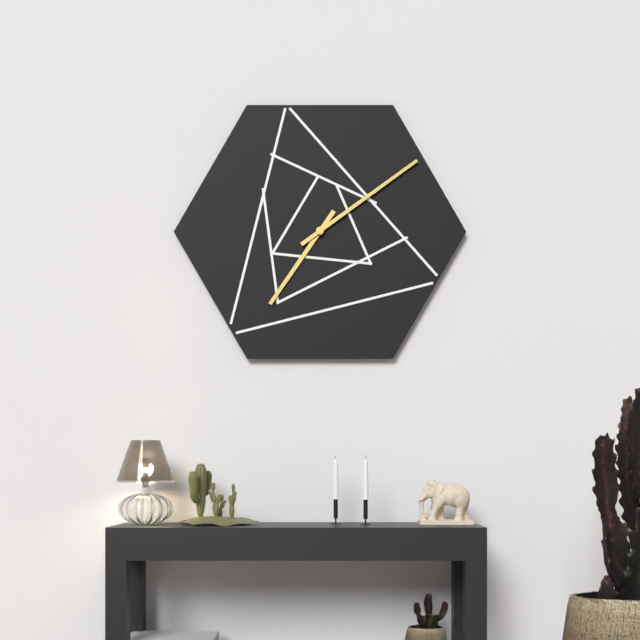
**7:09**
